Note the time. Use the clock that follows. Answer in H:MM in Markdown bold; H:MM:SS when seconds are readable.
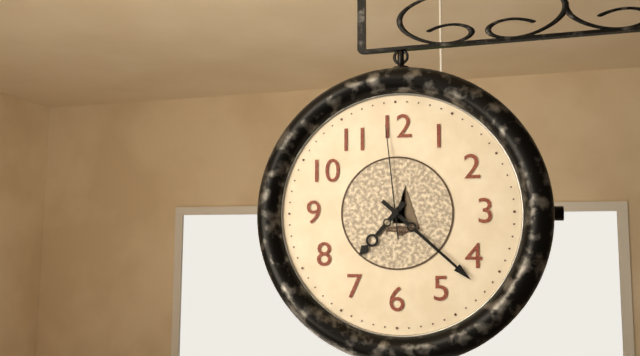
**7:22:59**
